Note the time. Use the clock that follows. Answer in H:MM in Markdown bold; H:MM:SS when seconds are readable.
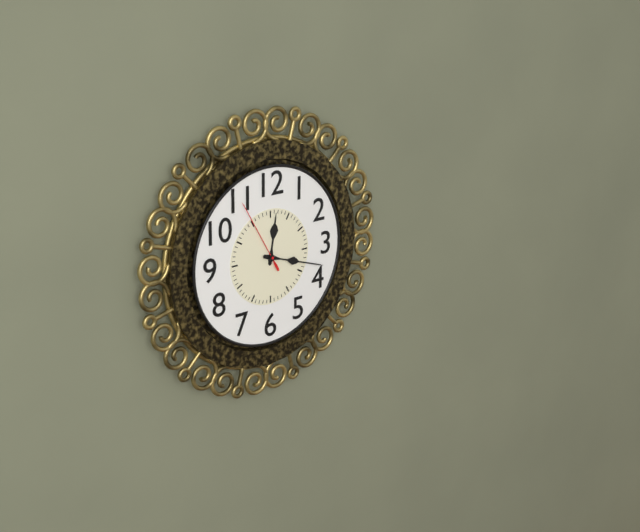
**12:18:55**
